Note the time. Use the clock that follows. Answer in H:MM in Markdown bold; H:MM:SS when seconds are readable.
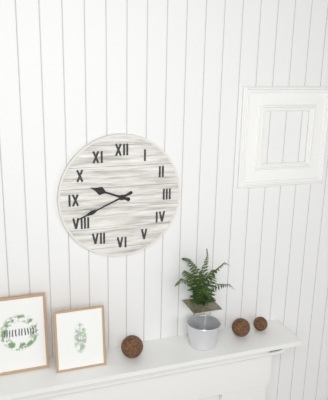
**9:41**
